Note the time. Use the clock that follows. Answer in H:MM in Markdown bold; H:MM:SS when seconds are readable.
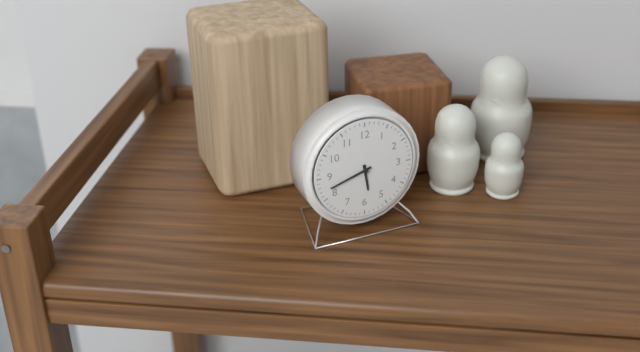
**5:42**
